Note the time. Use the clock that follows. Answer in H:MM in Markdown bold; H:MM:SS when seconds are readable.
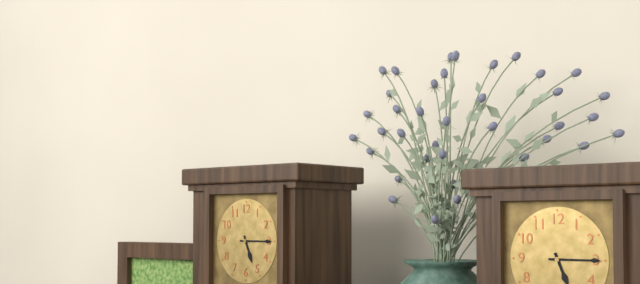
**5:15**
